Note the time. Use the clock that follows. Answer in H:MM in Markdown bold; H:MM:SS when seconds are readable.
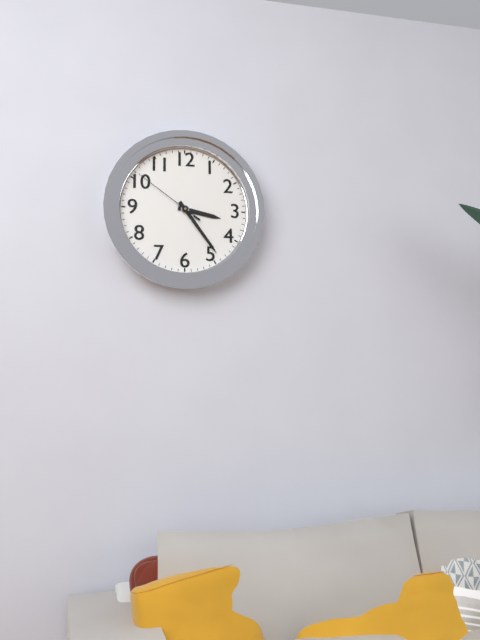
**3:24:51**
